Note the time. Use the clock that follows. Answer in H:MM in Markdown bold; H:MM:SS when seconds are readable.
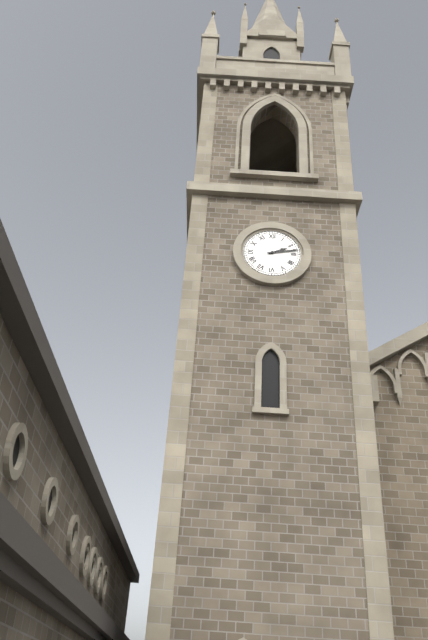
**2:13**
